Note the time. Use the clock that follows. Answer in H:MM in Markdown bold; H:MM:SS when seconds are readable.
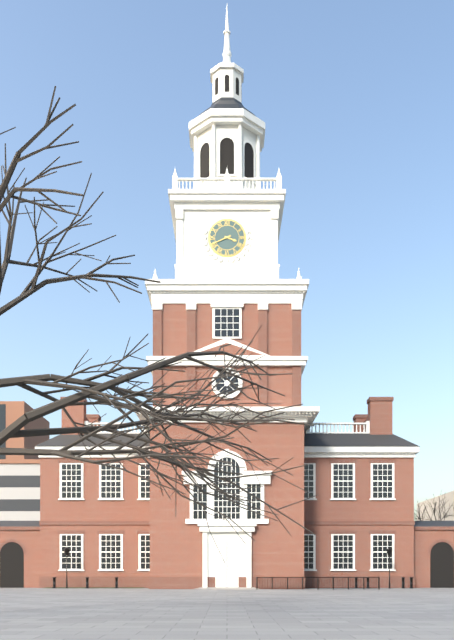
**3:41**
